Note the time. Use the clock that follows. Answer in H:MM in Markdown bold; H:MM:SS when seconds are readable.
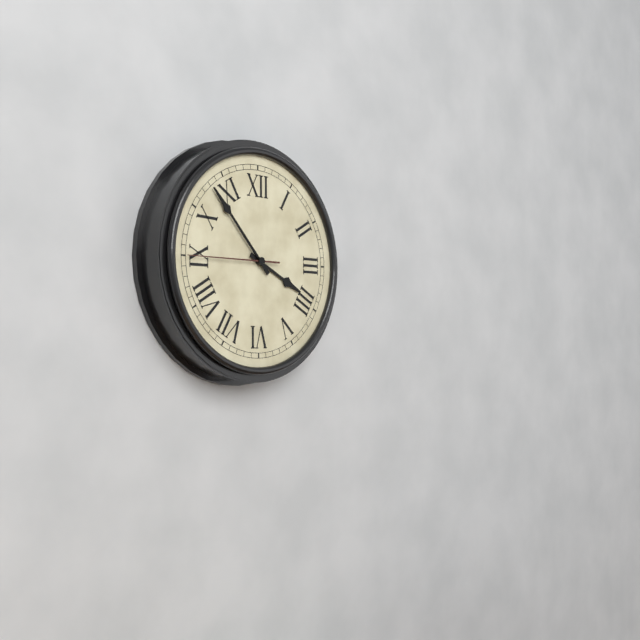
**3:53:45**
